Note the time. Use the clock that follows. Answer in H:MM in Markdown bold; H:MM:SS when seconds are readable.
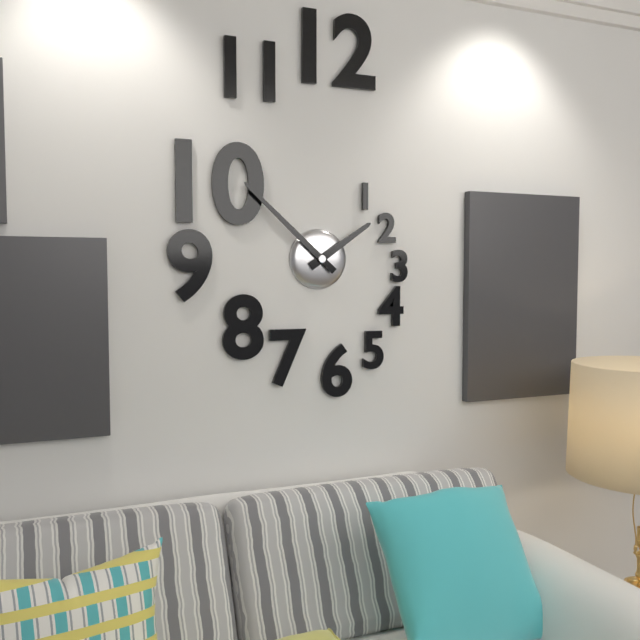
**1:52**
